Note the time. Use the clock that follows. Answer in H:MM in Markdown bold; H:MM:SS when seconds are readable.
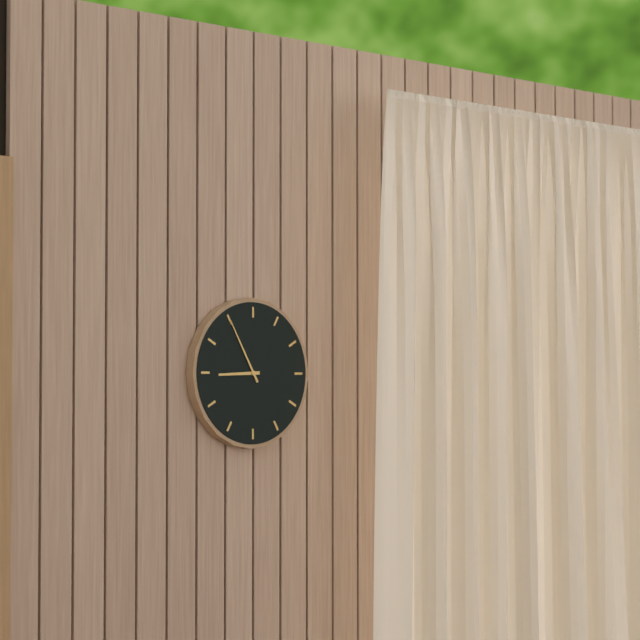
**8:55**
